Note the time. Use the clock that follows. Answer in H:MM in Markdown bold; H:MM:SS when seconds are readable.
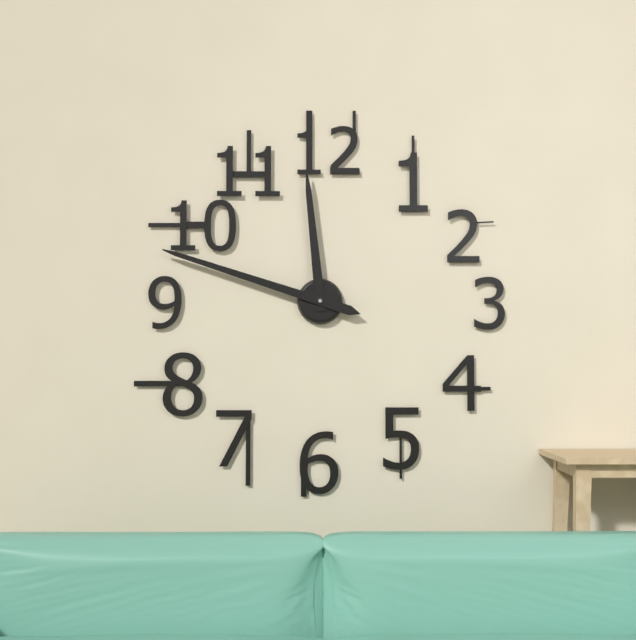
**11:48**
